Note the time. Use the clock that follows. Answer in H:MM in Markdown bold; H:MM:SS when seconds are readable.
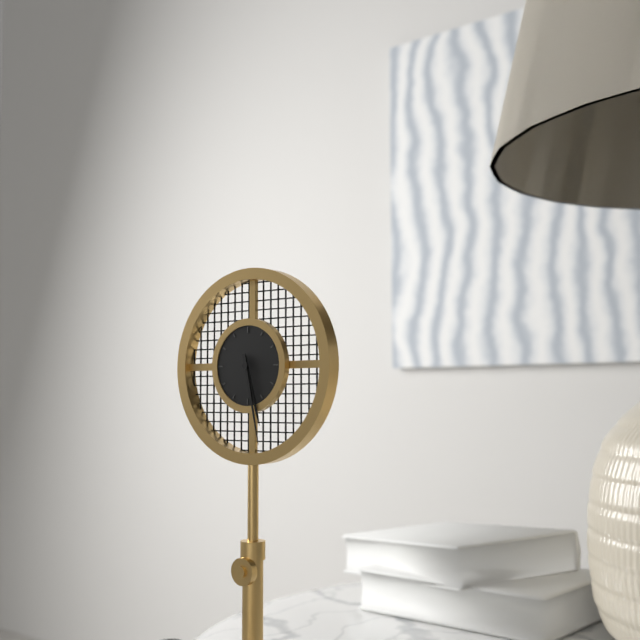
**5:28**
